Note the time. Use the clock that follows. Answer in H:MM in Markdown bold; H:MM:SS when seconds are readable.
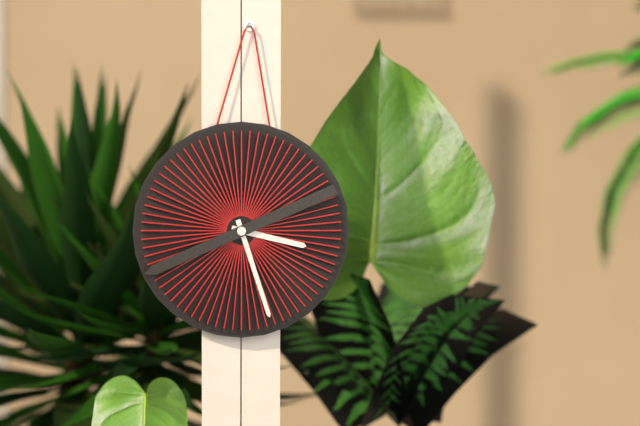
**3:27:41**
